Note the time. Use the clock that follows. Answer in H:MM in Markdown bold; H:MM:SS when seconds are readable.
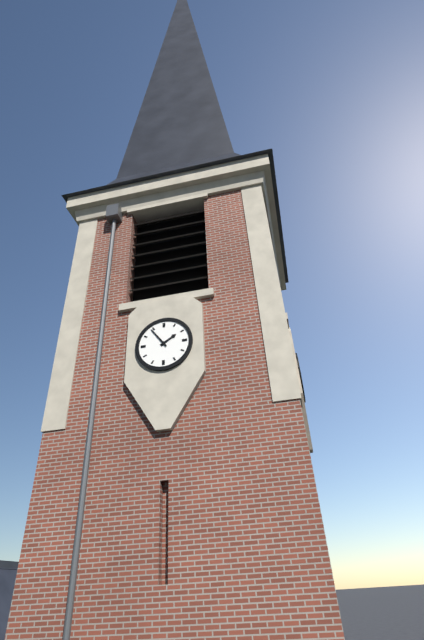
**1:54**
